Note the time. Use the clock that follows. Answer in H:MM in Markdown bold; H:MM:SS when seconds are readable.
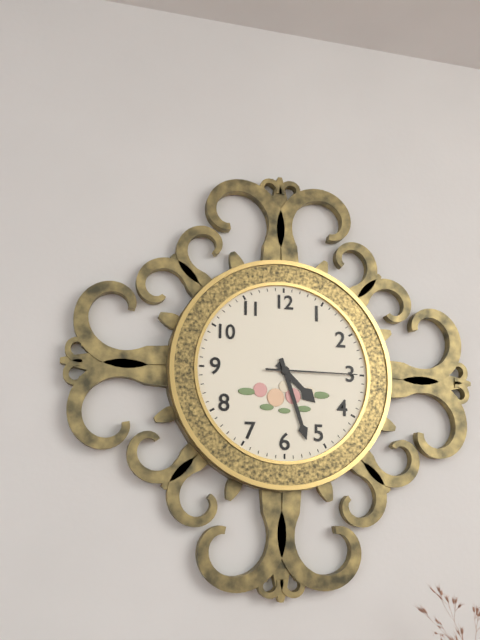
**4:27:15**
